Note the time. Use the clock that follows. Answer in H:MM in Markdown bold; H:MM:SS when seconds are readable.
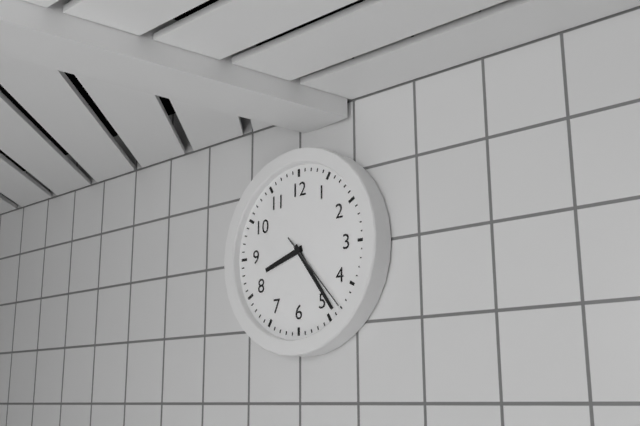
**8:24:23**
